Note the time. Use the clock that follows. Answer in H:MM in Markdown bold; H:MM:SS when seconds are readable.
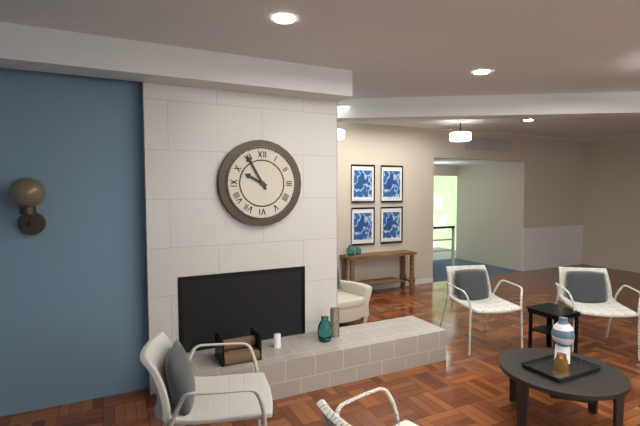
**9:55**
